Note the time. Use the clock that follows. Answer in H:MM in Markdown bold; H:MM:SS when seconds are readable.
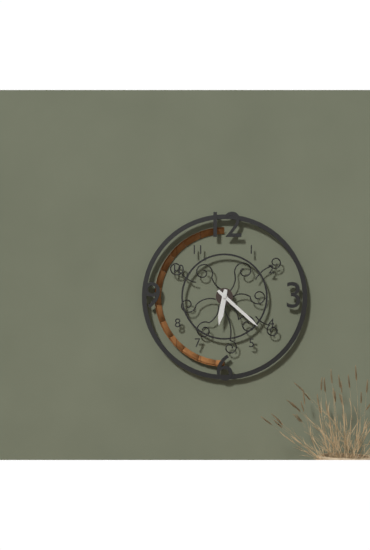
**6:22**
